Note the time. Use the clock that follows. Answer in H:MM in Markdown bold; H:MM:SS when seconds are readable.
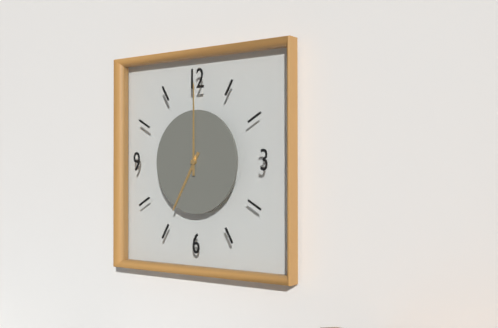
**7:00**
